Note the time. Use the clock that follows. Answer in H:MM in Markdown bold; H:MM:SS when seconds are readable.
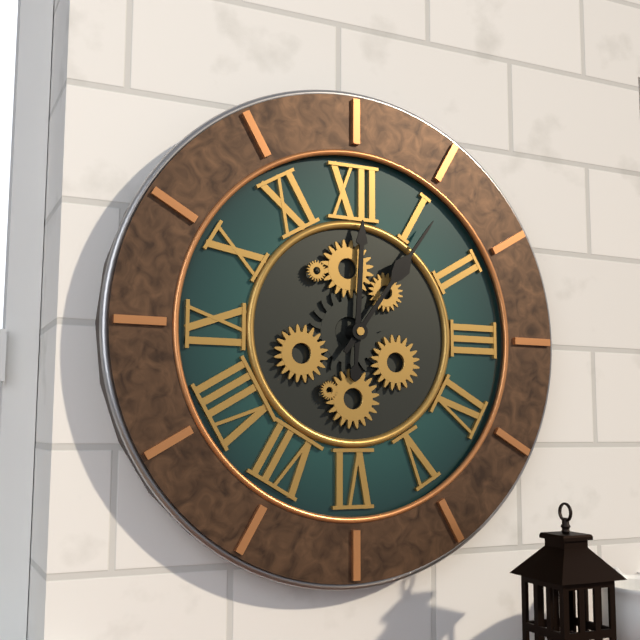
**12:06**
